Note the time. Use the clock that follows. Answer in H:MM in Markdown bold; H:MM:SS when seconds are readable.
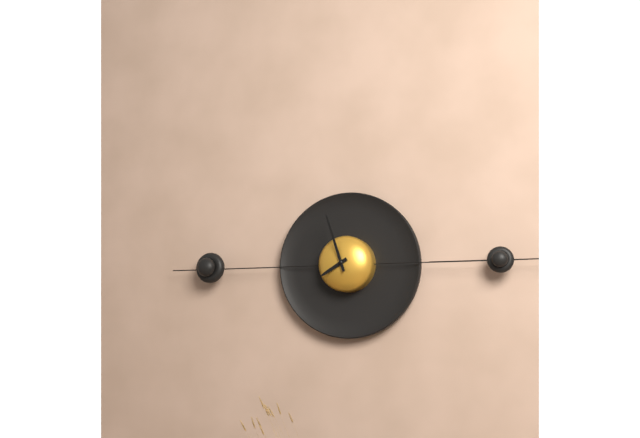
**7:57**
